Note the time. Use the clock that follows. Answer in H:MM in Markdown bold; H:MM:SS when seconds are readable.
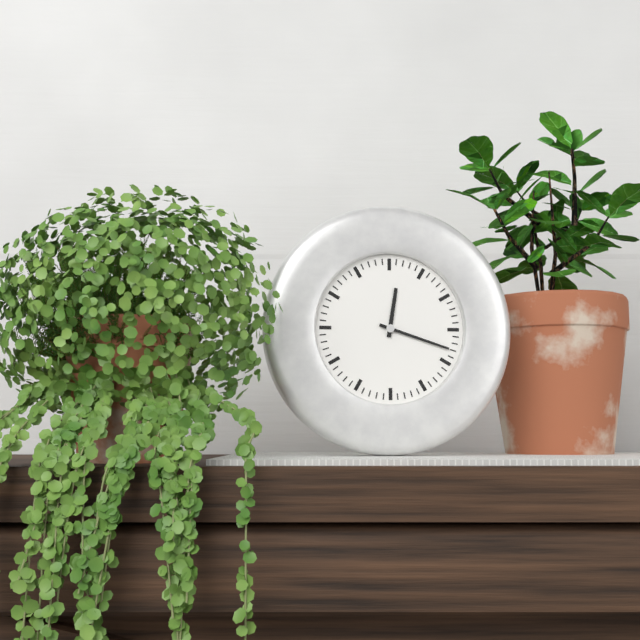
**12:18**
